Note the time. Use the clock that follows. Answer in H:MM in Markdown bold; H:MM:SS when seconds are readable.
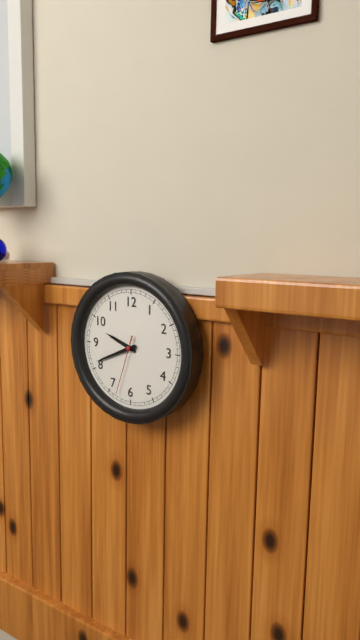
**9:41:33**
